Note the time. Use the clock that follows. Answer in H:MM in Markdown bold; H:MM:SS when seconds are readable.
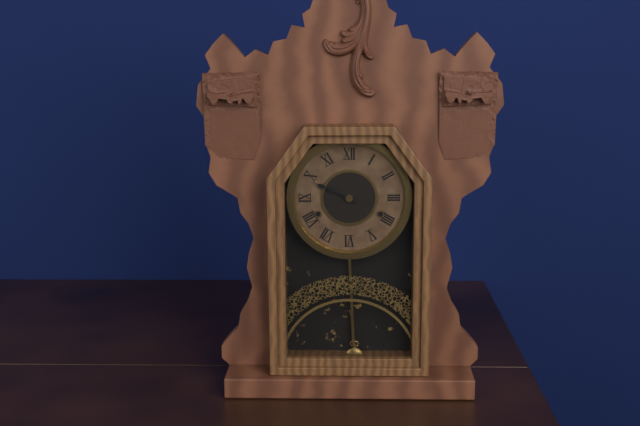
**9:49**
